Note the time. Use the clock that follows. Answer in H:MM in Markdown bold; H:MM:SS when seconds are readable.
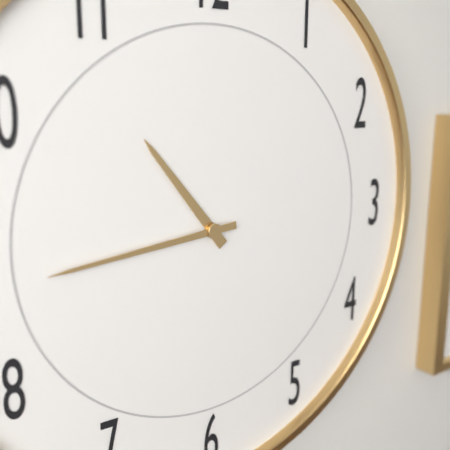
**10:44**
